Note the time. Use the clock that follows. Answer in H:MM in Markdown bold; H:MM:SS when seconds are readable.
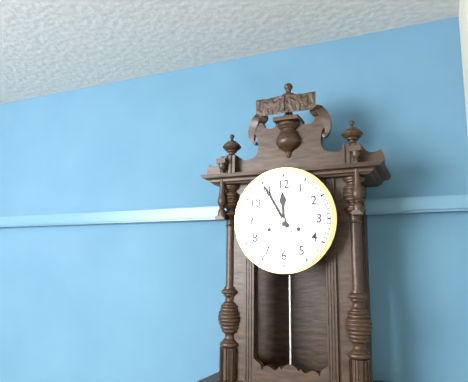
**11:55**
